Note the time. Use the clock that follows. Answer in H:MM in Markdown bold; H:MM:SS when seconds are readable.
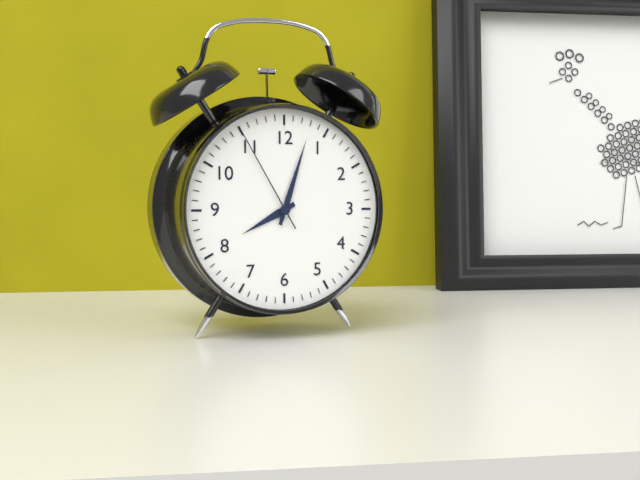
**8:03:55**
